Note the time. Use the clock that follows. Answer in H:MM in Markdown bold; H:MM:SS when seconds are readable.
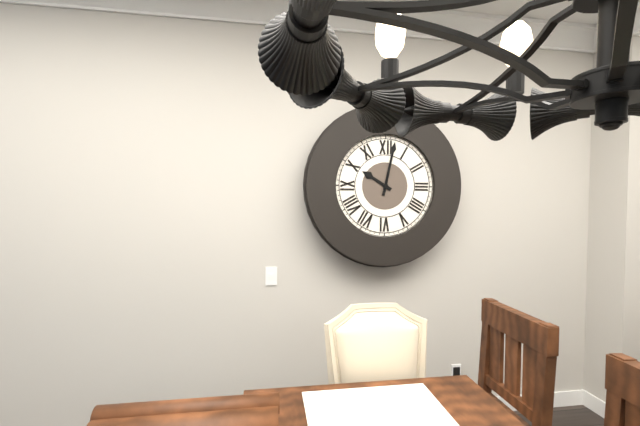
**10:02**
